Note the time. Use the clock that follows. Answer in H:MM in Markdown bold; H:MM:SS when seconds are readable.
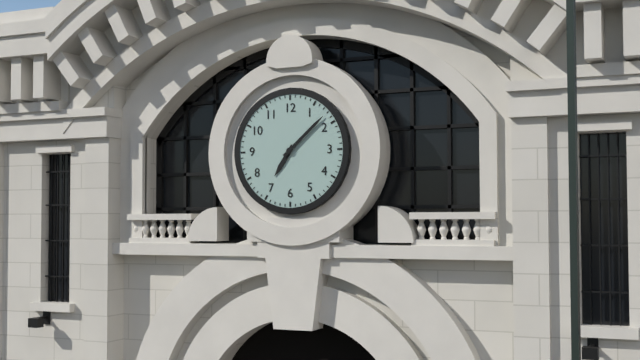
**7:08**
